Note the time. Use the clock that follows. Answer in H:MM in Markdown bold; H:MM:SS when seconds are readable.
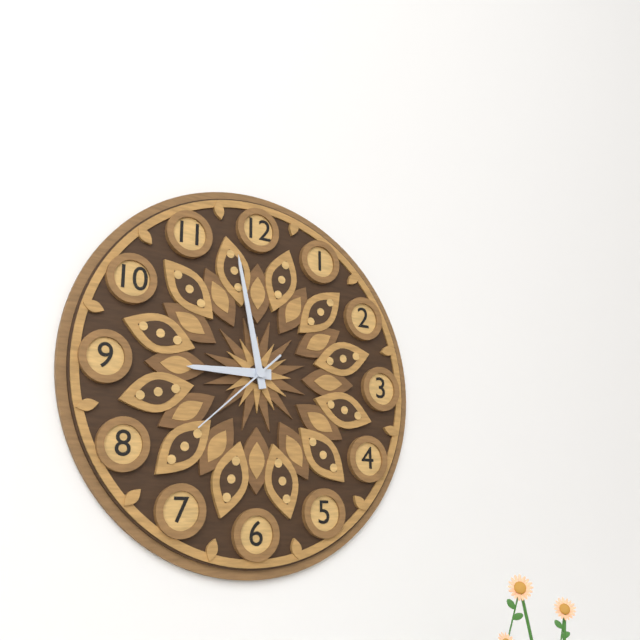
**8:58:38**
